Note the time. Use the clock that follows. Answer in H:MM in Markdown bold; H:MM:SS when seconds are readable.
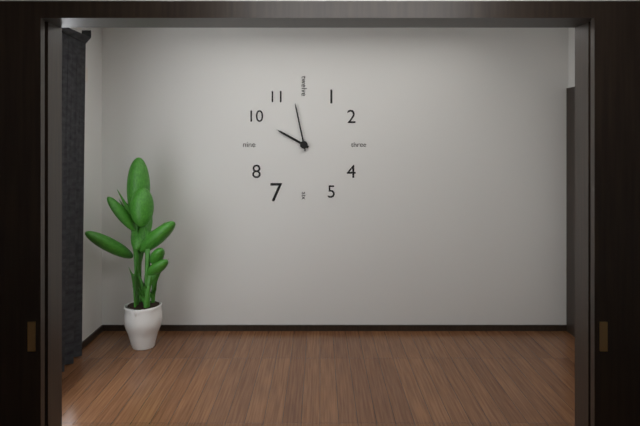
**9:58**
